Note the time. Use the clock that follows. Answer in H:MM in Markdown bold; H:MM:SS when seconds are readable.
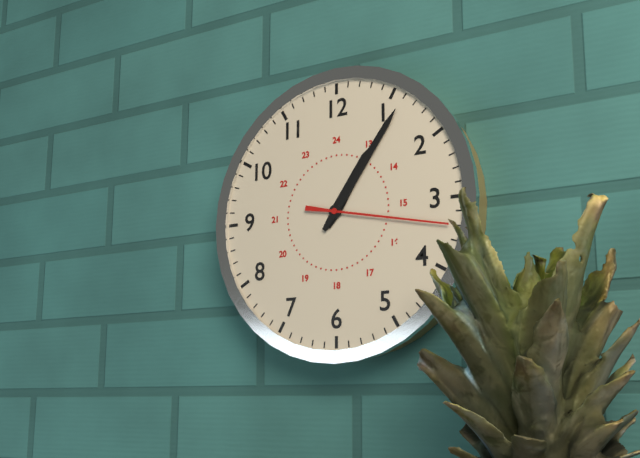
**1:06:17**
